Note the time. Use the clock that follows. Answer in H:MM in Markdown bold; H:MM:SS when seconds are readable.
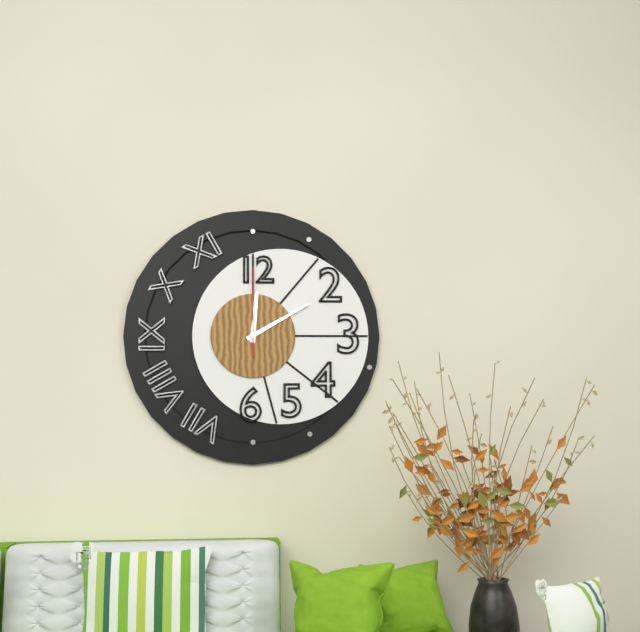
**12:10:00**
